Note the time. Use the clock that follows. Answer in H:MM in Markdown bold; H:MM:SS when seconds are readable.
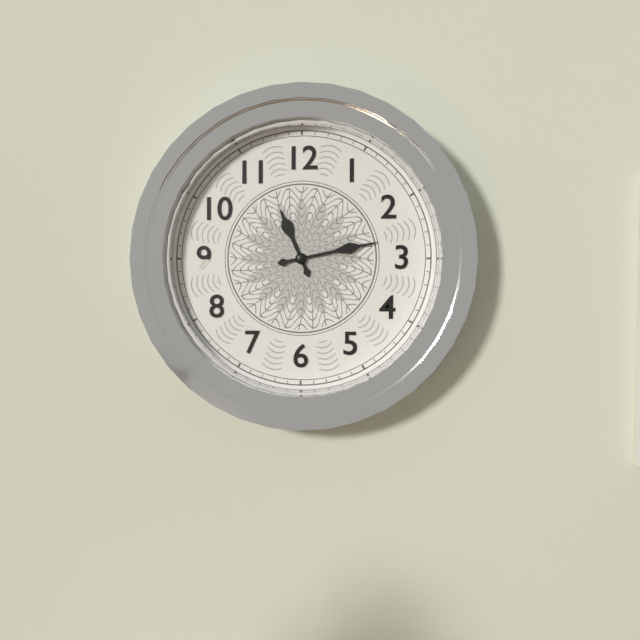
**11:13**
